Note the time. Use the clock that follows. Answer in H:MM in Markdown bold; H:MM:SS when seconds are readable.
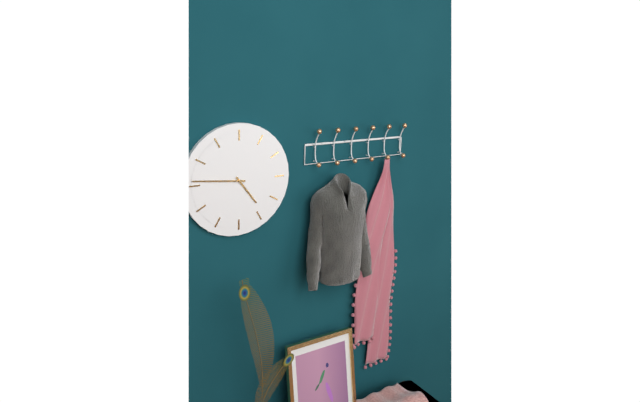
**4:46**
